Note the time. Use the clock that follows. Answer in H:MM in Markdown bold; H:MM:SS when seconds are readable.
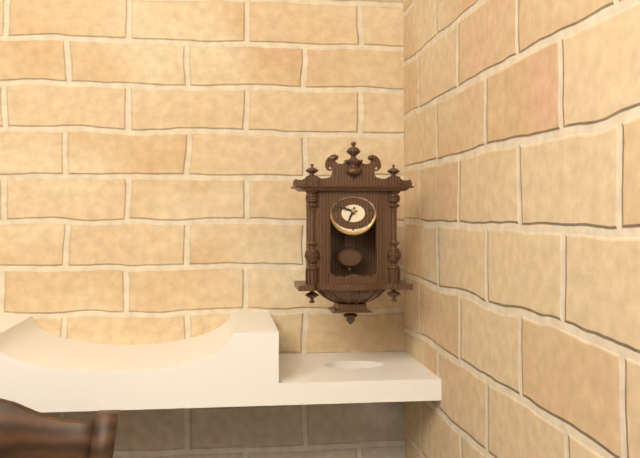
**6:47**
